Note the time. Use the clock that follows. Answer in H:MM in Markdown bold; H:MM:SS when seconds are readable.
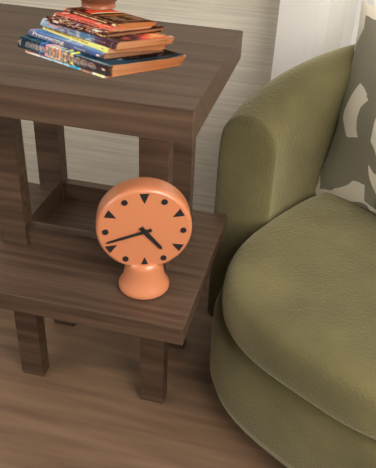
**4:42**
